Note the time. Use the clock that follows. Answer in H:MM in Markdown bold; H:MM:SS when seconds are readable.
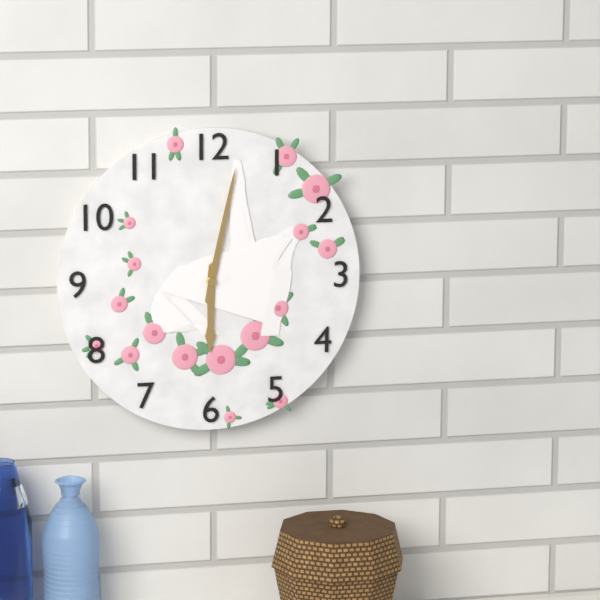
**6:02**
